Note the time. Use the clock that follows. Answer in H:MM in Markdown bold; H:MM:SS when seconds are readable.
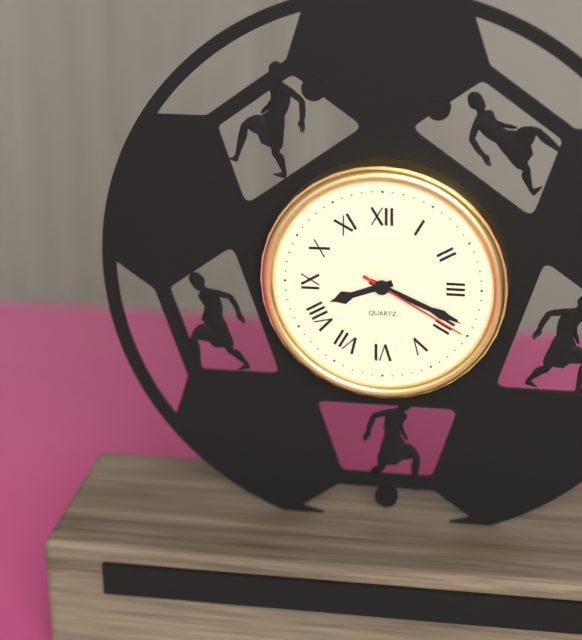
**8:19:20**
